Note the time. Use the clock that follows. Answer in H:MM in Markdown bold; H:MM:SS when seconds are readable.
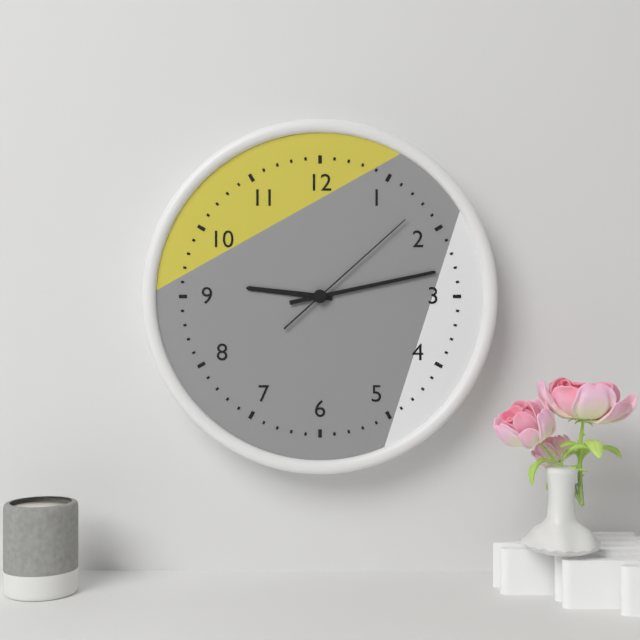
**9:13:08**
